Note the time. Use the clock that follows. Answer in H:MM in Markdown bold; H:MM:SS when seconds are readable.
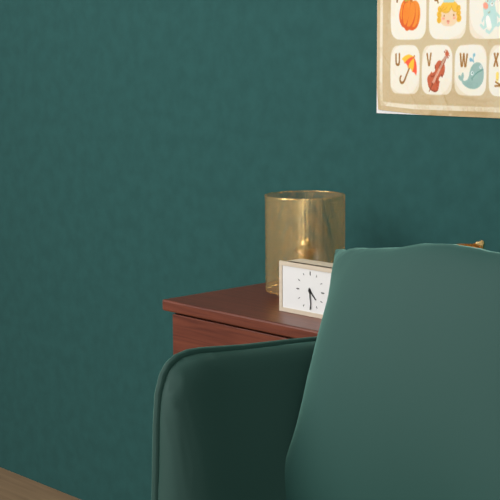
**4:29**
